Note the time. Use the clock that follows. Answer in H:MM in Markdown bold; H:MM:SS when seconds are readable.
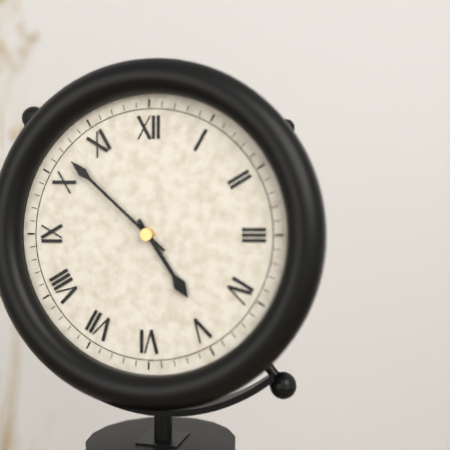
**4:52**
